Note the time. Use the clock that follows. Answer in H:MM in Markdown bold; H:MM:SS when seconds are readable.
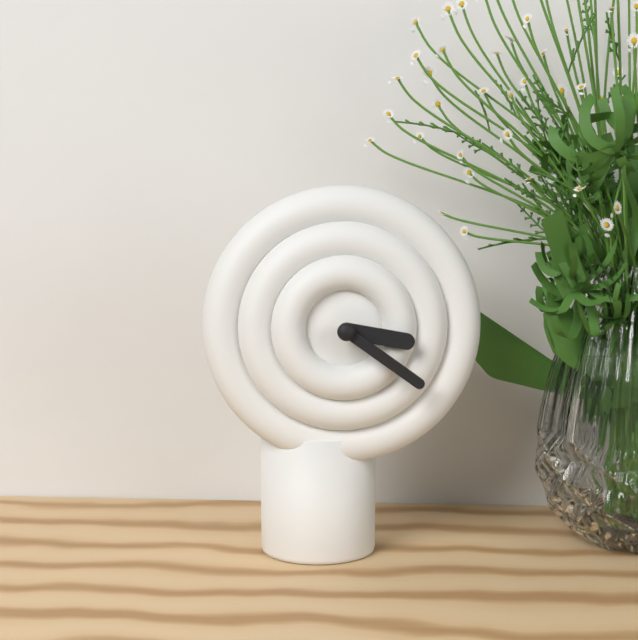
**3:21**
